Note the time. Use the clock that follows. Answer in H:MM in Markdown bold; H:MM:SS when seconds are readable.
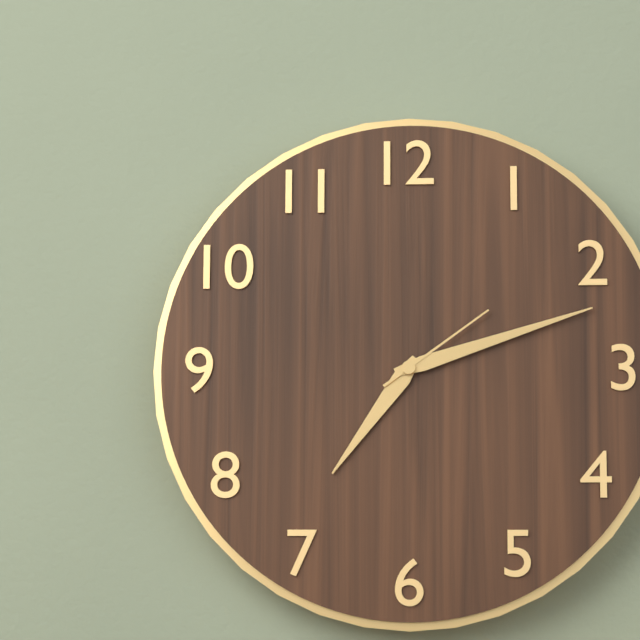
**7:12:09**
